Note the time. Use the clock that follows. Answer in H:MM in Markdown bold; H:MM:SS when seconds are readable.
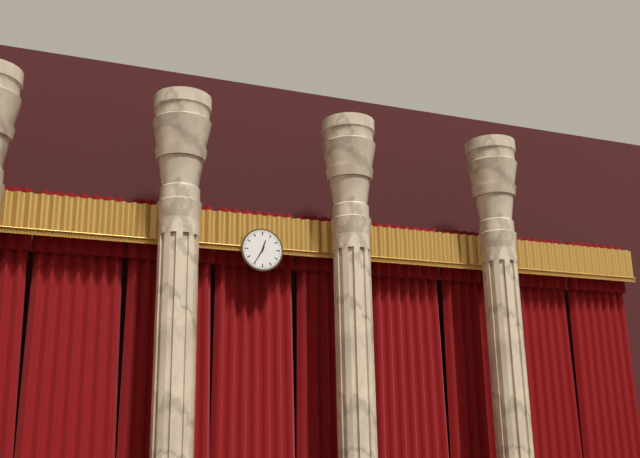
**12:35**
